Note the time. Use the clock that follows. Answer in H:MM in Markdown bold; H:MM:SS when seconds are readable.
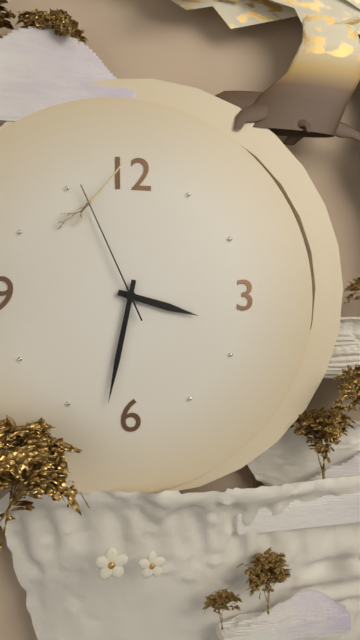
**3:32:56**
